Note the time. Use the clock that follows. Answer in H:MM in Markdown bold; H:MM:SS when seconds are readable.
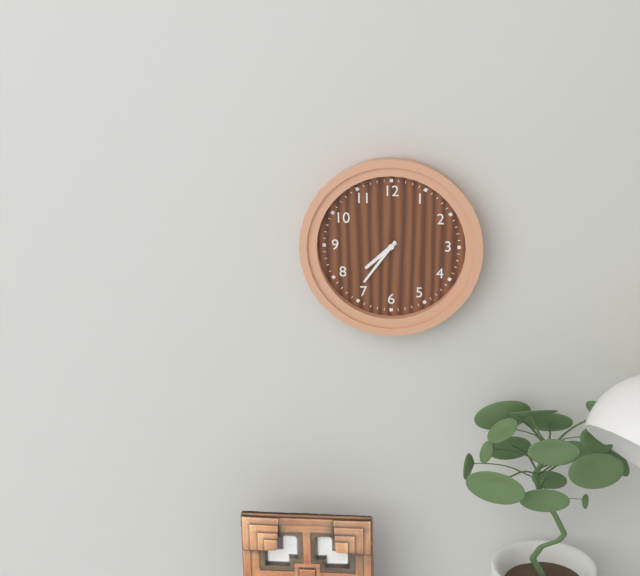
**7:36**
